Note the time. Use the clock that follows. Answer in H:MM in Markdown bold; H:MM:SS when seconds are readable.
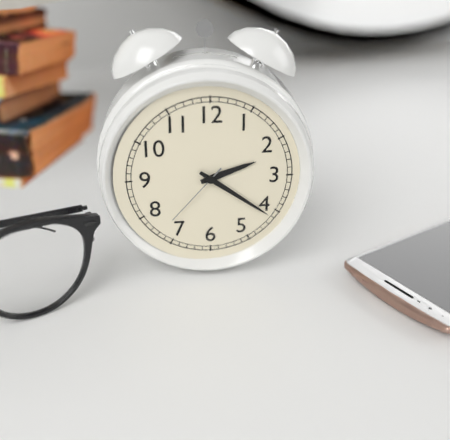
**2:21:37**
